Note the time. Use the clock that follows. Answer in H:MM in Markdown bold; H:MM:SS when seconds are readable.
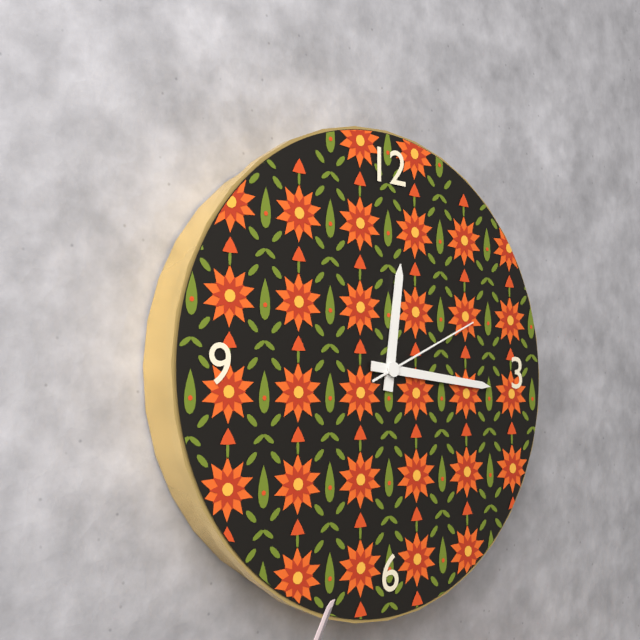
**12:16:11**
